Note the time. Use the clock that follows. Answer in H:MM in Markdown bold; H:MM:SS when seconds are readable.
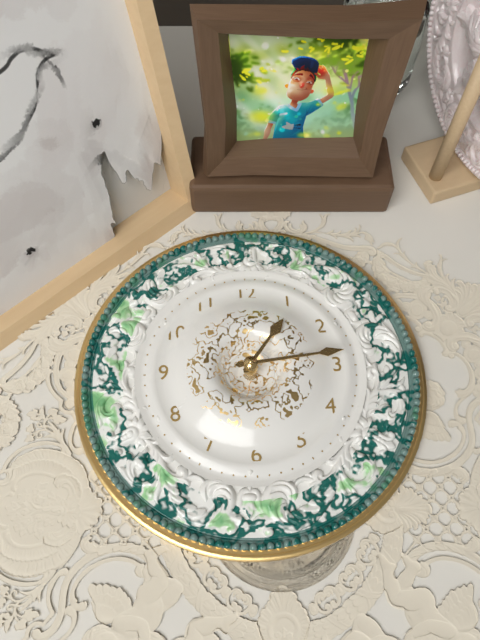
**1:14**
